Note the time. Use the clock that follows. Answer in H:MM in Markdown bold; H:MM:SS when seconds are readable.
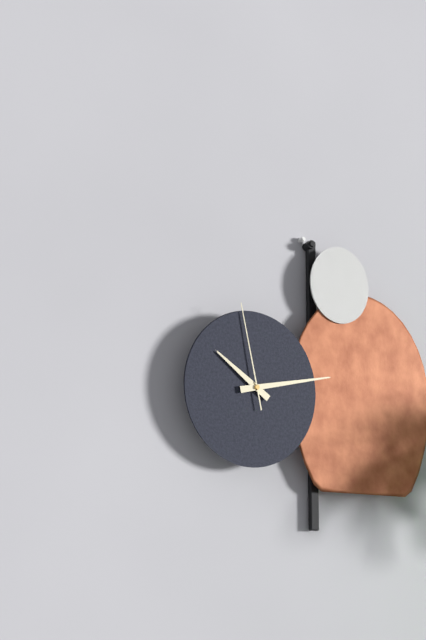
**10:13:58**
